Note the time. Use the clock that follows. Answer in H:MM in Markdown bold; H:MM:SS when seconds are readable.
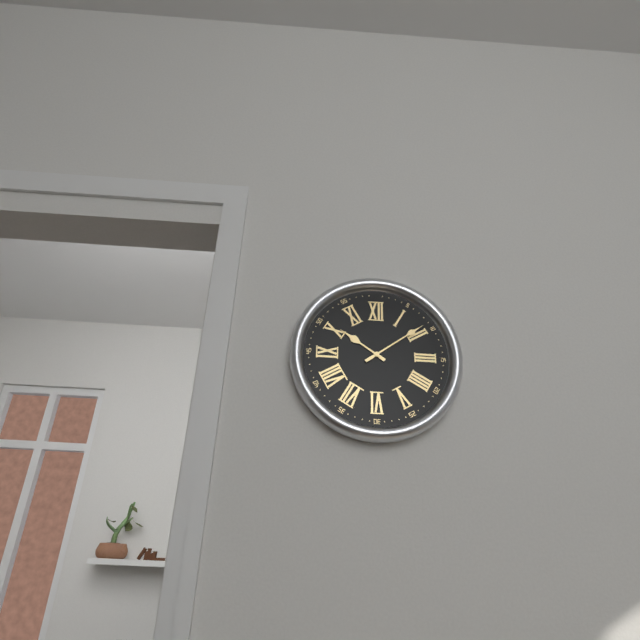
**10:09**
